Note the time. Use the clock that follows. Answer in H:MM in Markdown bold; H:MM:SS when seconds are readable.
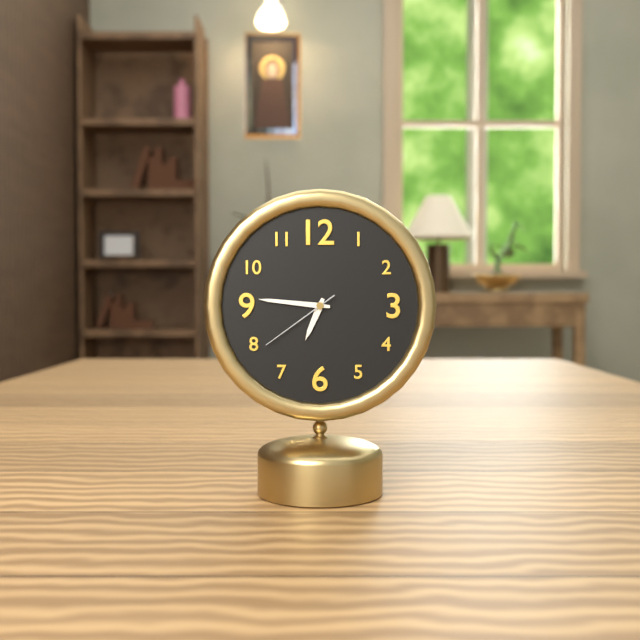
**6:46:39**
